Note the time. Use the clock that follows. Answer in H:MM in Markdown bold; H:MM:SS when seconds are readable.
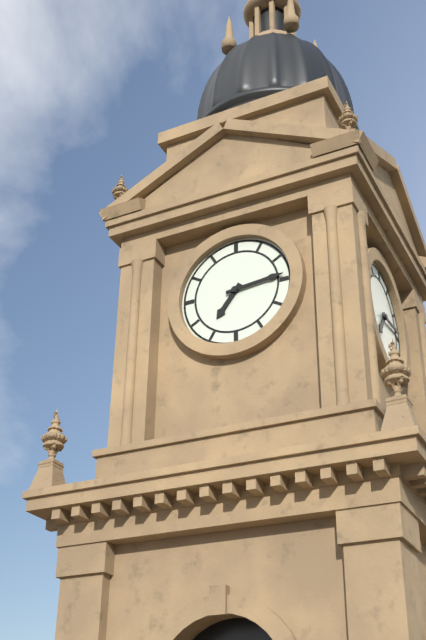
**7:14**
